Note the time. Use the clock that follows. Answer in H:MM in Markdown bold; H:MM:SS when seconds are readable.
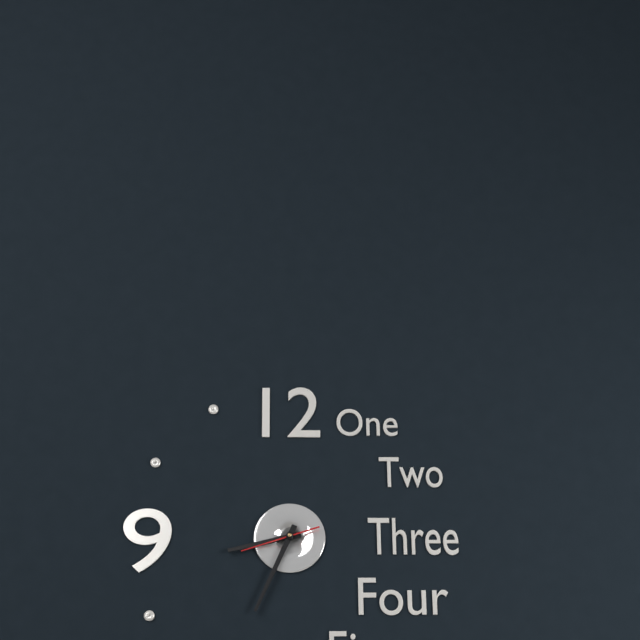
**8:34:42**
